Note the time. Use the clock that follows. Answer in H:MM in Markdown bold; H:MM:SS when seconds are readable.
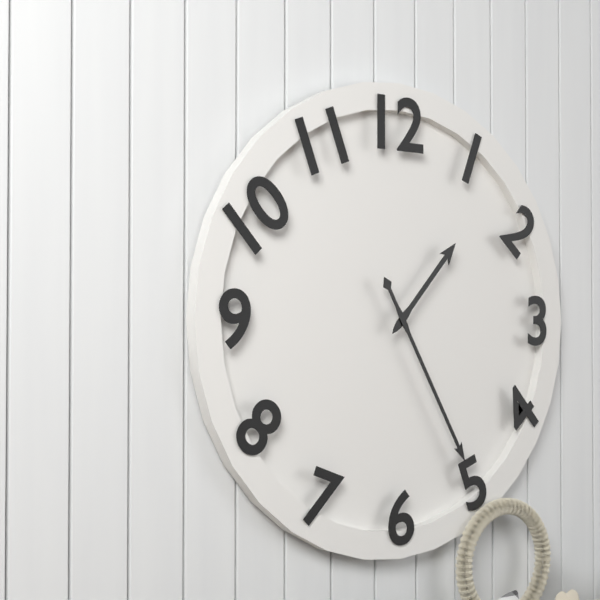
**1:25**
